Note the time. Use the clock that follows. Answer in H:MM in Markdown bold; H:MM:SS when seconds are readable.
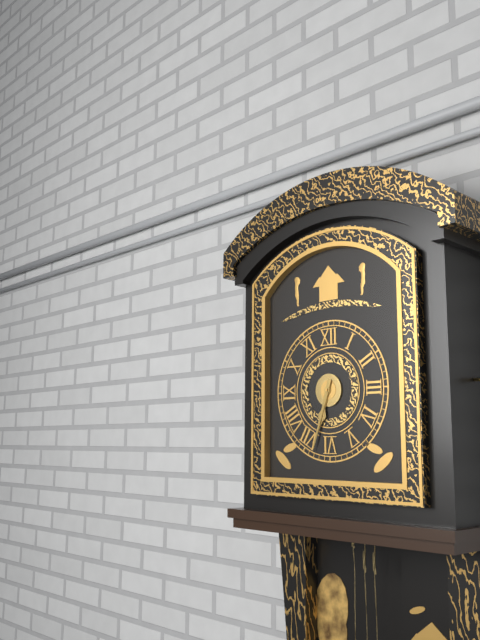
**6:33**
